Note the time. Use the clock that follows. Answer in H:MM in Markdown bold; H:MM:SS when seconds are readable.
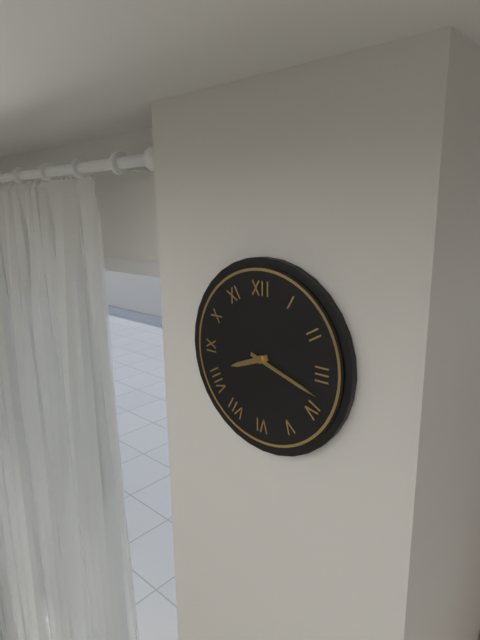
**8:18**
